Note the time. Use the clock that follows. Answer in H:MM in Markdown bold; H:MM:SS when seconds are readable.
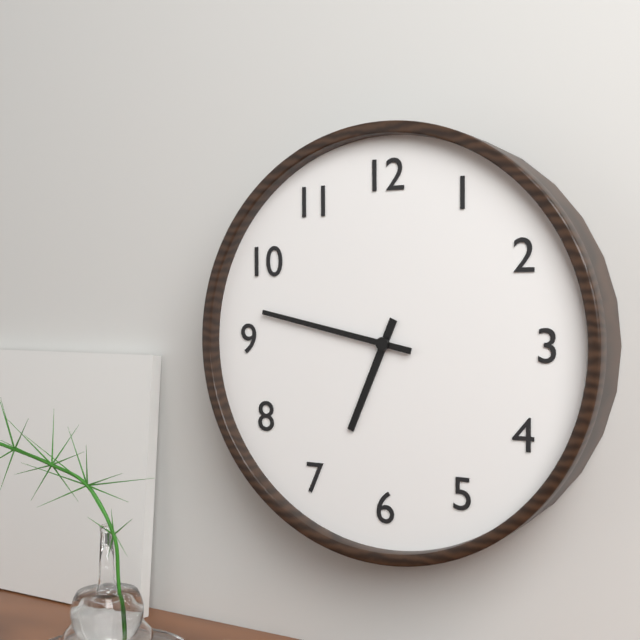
**6:47**
